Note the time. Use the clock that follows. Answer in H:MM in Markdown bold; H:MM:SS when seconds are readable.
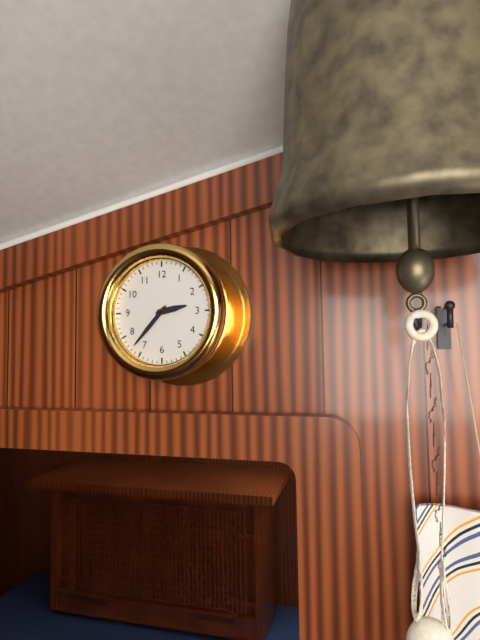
**2:37**
